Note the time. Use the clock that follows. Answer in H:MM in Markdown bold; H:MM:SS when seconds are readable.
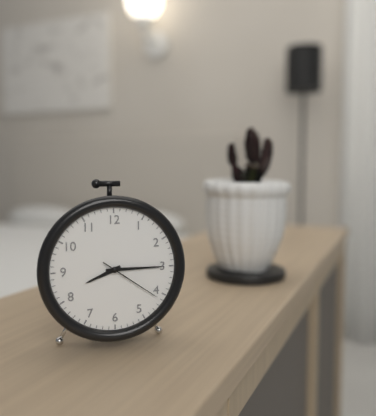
**8:15:21**
